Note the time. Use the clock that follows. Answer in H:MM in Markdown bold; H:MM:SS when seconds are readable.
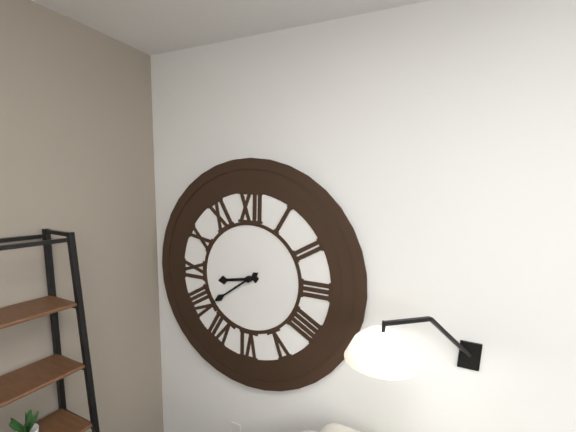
**8:39**
